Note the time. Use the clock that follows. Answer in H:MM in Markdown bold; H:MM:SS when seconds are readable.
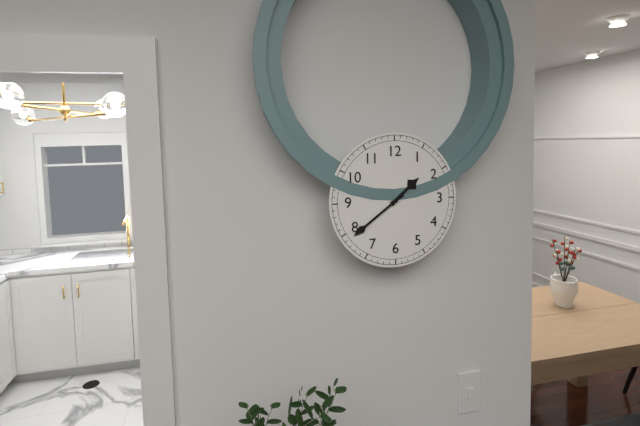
**1:39**
